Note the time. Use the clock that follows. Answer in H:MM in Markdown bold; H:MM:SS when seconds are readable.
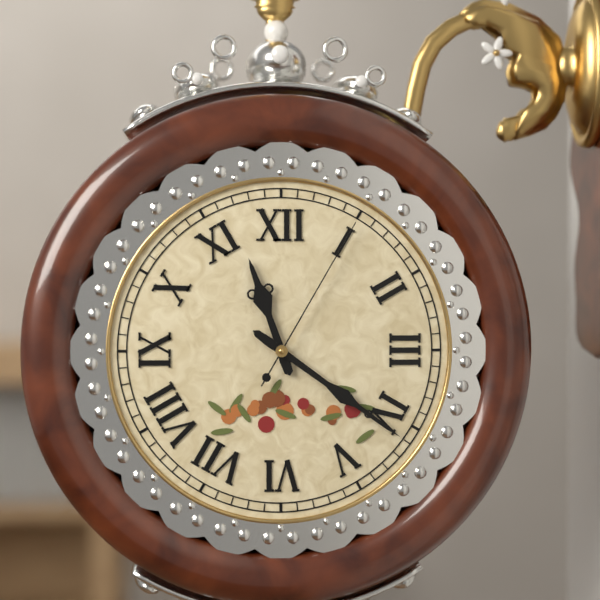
**11:21:05**
